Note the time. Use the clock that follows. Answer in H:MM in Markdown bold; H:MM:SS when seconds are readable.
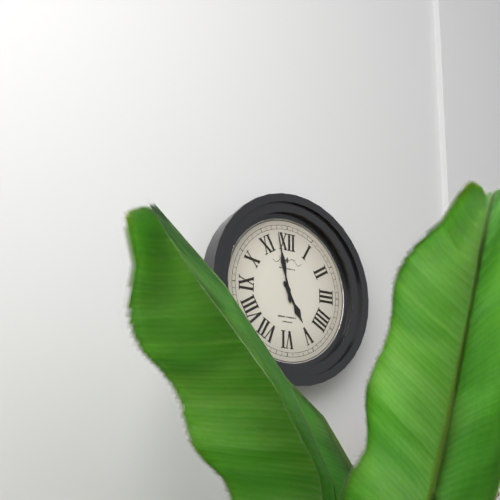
**4:58**
